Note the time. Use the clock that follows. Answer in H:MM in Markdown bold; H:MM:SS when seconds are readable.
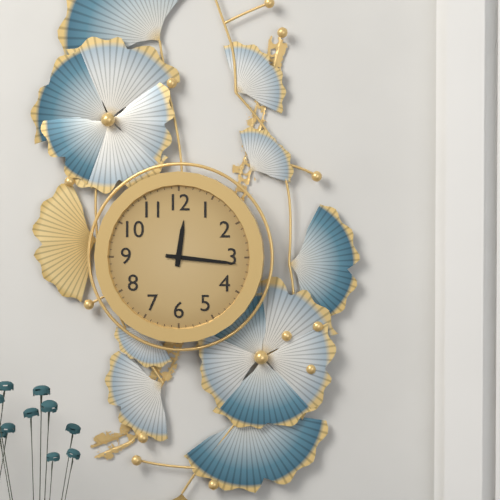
**12:16**
